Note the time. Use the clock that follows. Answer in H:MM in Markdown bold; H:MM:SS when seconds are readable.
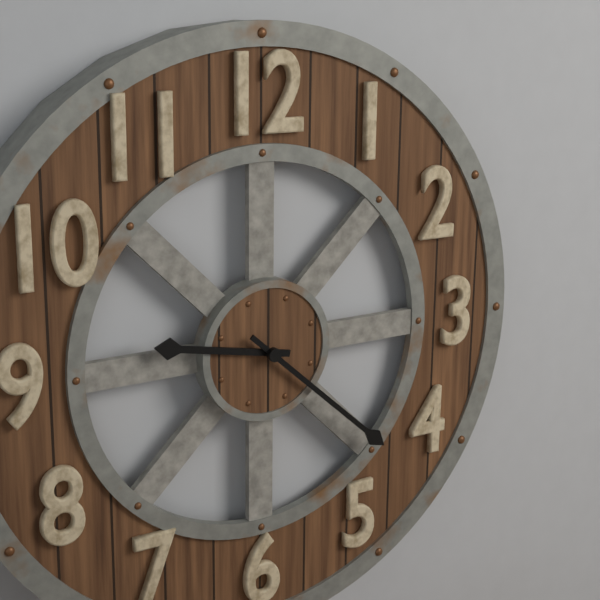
**9:22**
